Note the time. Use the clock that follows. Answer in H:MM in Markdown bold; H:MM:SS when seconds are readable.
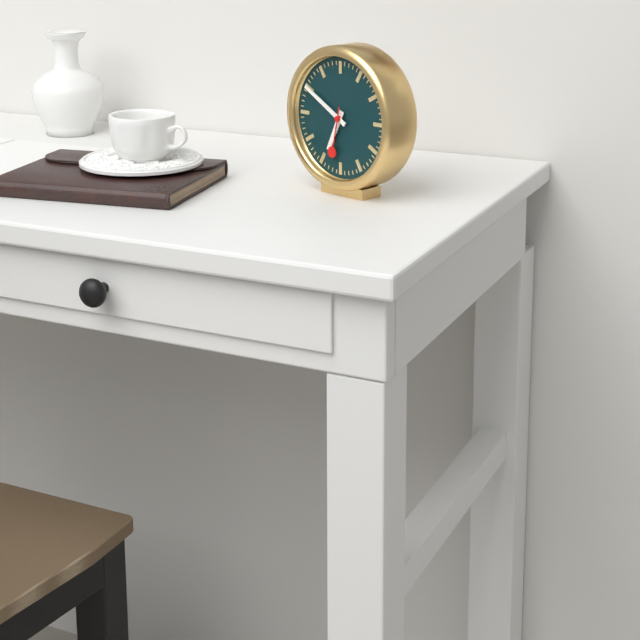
**6:50:32**
